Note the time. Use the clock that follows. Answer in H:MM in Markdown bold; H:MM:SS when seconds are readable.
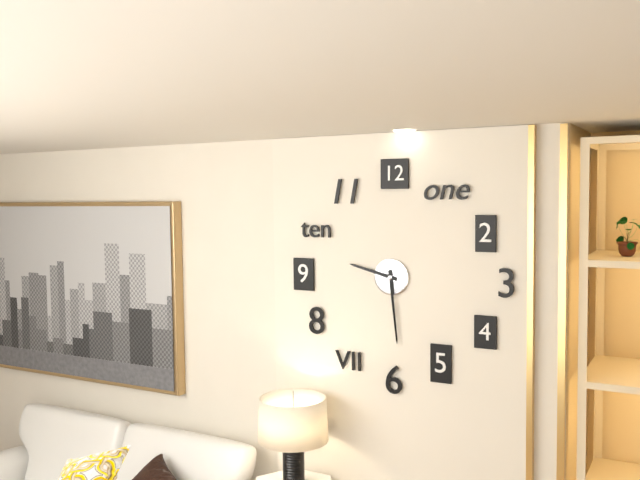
**9:29**
